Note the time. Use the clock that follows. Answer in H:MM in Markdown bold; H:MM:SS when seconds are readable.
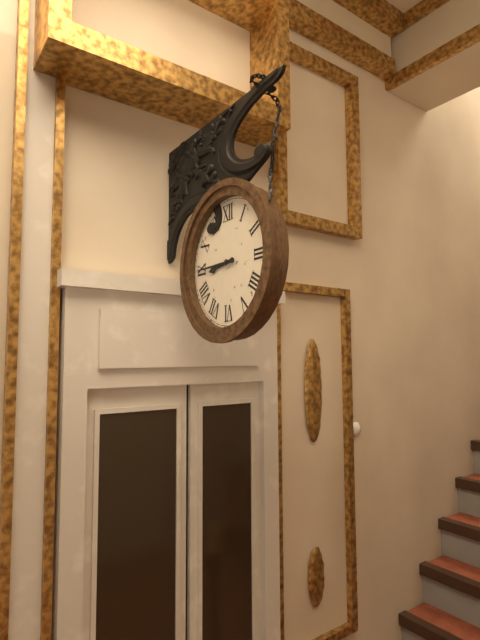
**8:45**
